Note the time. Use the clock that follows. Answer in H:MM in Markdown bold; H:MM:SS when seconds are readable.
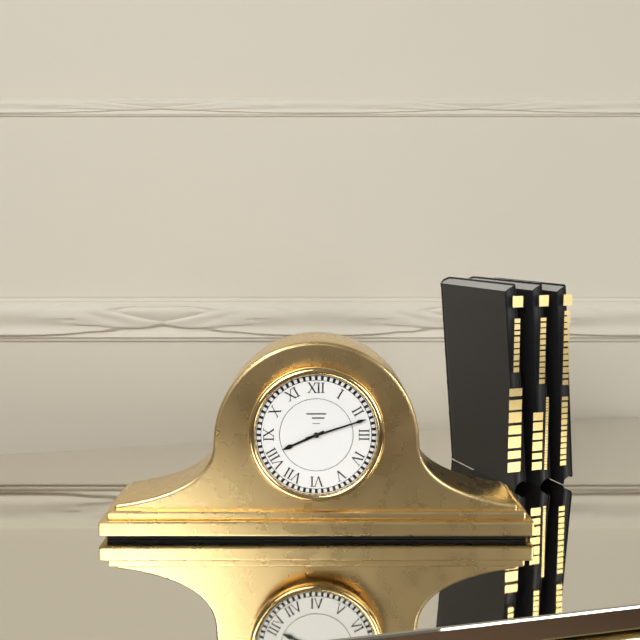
**8:12**
